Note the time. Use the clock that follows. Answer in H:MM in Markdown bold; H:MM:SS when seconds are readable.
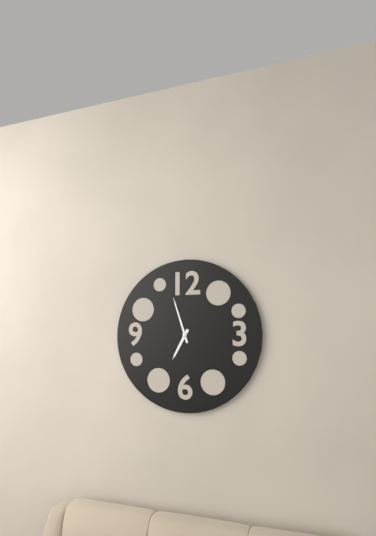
**6:57**
